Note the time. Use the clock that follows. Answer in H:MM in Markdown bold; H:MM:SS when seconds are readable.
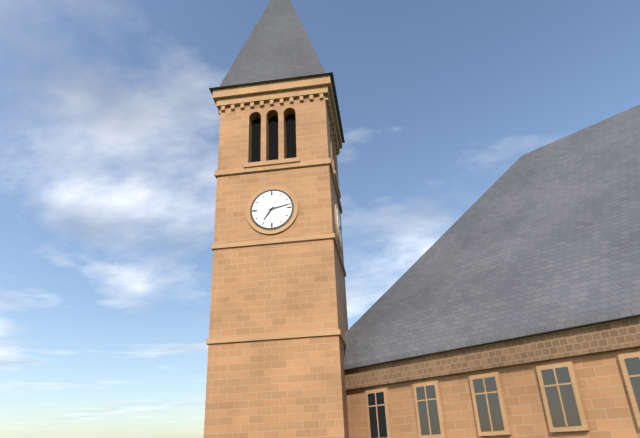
**7:13**
